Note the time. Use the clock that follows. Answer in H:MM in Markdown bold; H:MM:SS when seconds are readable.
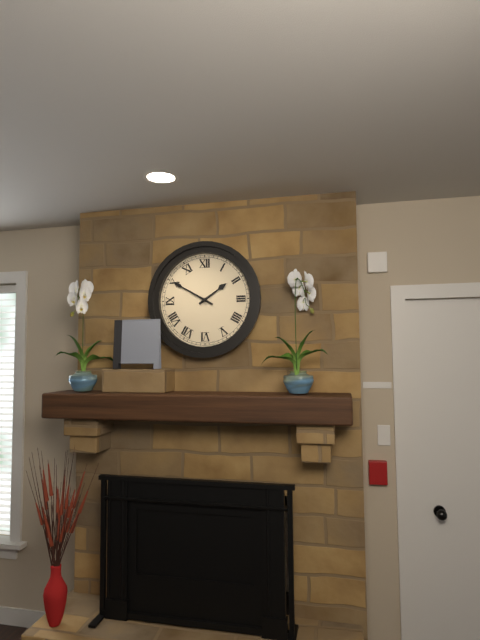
**1:50**
